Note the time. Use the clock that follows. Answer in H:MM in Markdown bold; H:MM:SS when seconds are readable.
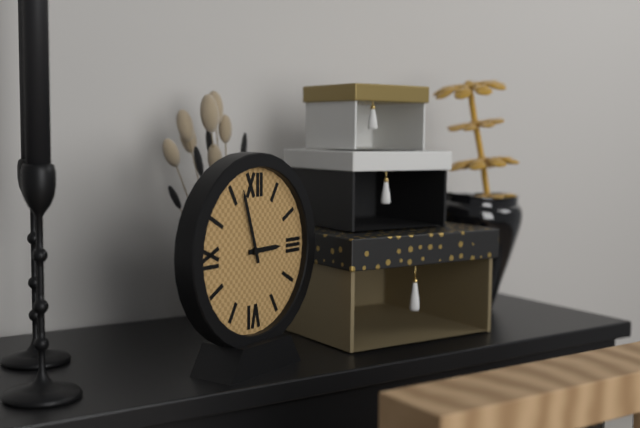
**2:57**
